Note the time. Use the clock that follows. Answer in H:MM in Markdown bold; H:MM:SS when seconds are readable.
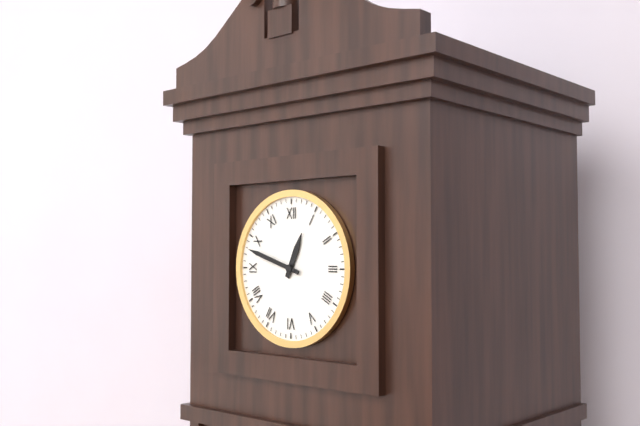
**12:48**
